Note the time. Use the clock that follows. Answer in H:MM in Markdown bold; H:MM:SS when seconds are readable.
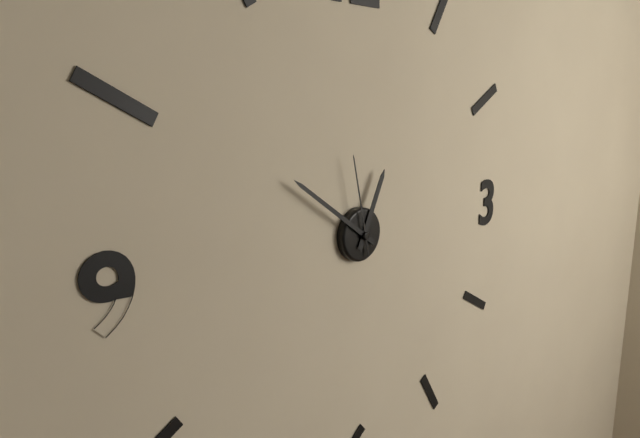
**12:51:58**
